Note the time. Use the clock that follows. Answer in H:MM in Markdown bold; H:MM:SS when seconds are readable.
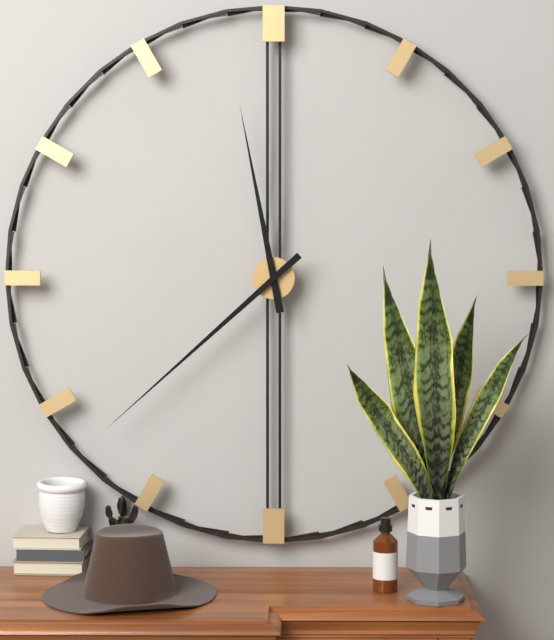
**11:38**
